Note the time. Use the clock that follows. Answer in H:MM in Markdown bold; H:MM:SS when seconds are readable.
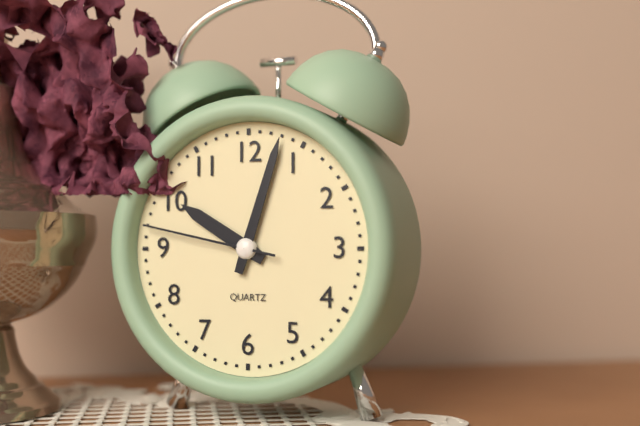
**10:03:47**
